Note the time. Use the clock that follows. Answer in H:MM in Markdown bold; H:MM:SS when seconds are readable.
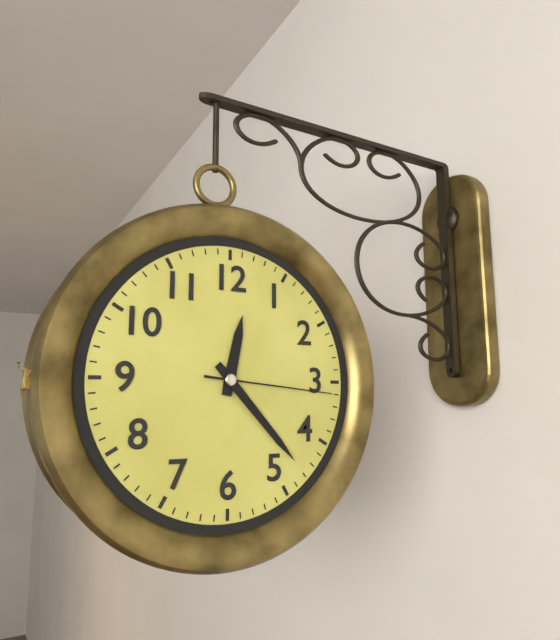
**12:23:16**
